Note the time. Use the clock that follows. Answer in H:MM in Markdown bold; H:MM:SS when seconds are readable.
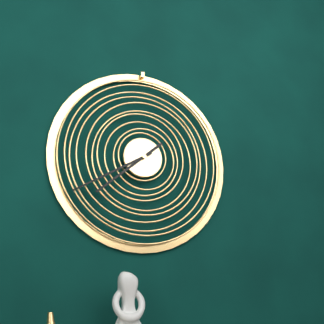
**7:40**
